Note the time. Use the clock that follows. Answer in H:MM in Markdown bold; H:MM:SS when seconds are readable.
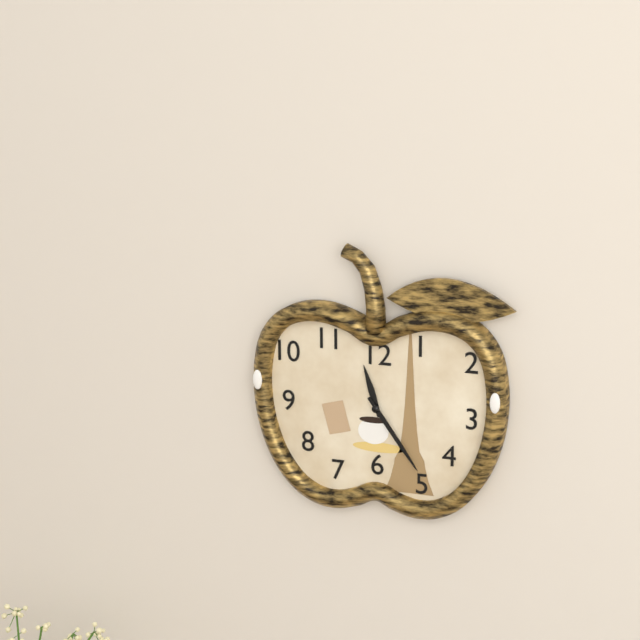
**11:24**
